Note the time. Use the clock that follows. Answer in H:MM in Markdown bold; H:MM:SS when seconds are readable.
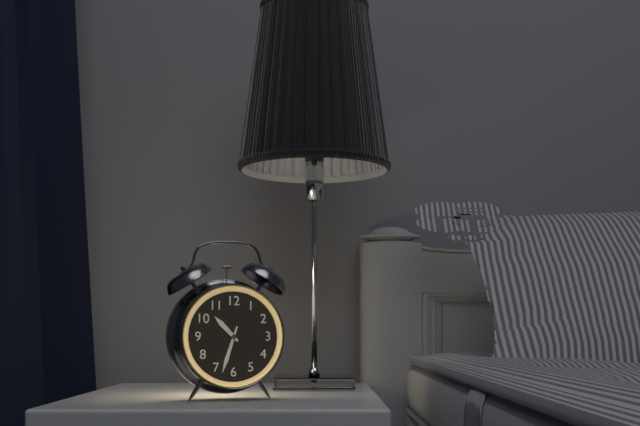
**10:33**
